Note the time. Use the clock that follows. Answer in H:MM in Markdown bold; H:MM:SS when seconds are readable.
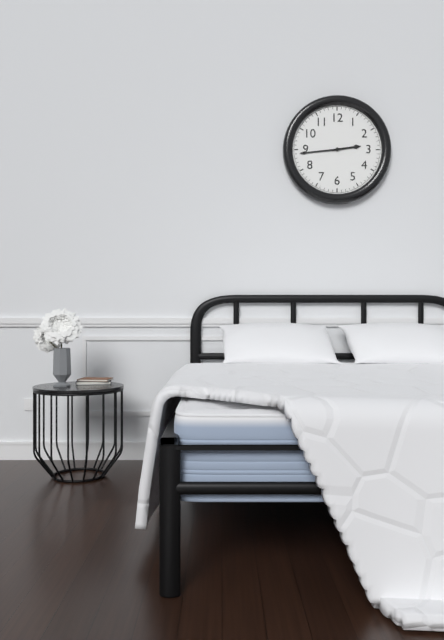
**2:44**
